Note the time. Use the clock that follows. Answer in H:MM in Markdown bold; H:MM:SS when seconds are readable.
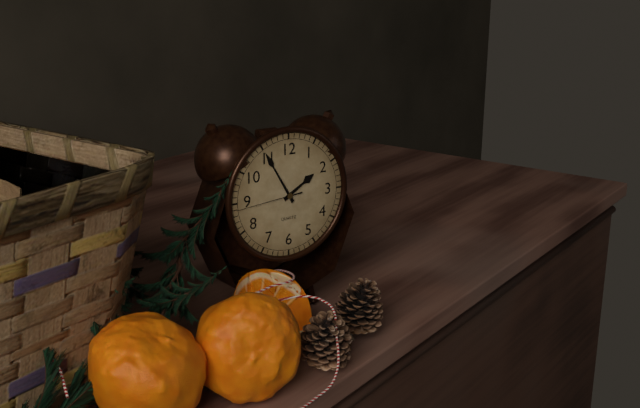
**1:55:44**
